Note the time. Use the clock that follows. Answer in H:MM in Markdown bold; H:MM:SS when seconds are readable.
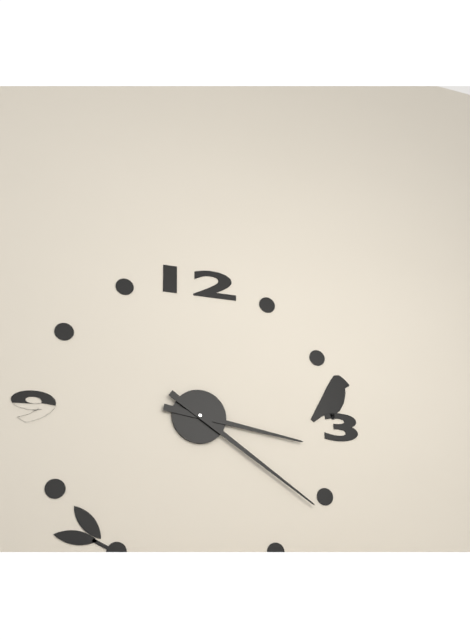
**3:21**
